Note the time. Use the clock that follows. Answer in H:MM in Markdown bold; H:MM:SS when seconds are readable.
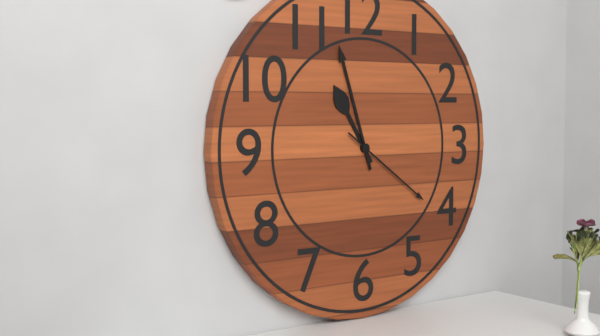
**10:57:21**
